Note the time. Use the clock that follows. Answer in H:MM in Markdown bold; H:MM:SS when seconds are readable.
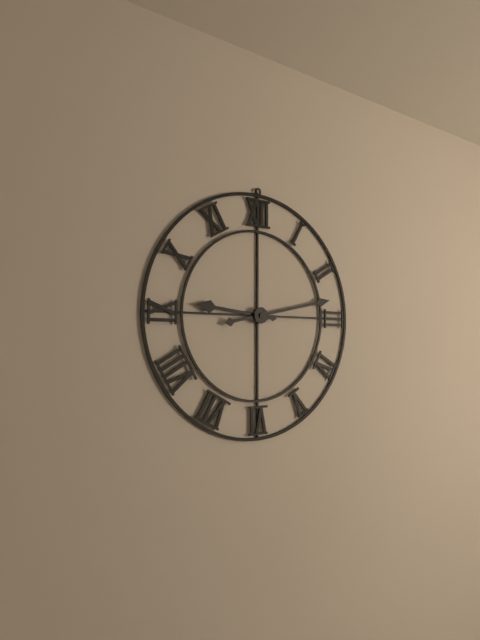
**9:13**
